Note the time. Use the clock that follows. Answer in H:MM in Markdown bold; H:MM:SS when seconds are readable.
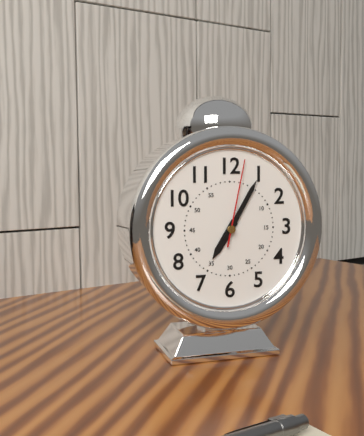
**7:05:02**
